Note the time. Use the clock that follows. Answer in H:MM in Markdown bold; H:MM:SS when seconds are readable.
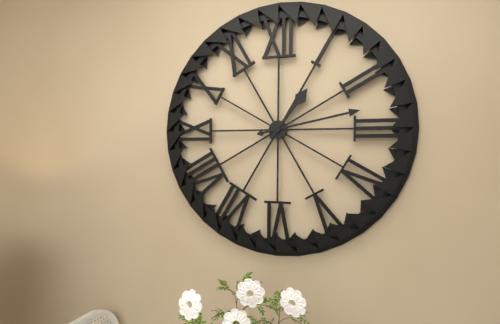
**1:13**
